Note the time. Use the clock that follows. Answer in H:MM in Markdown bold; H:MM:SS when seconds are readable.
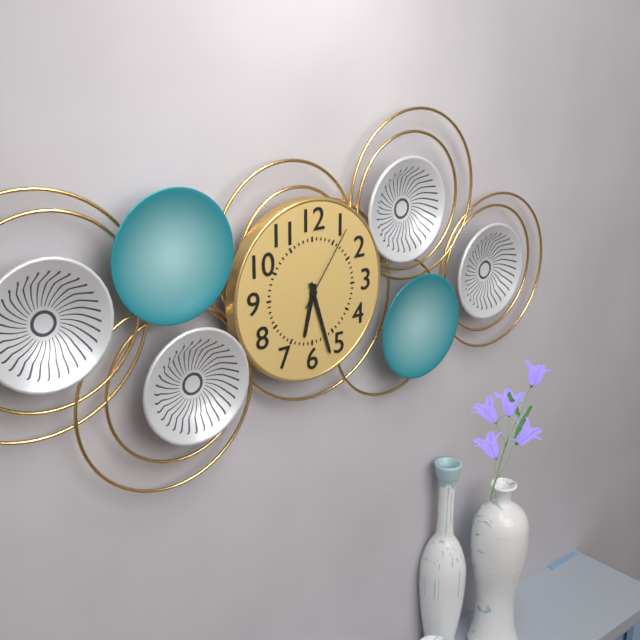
**6:27:06**
